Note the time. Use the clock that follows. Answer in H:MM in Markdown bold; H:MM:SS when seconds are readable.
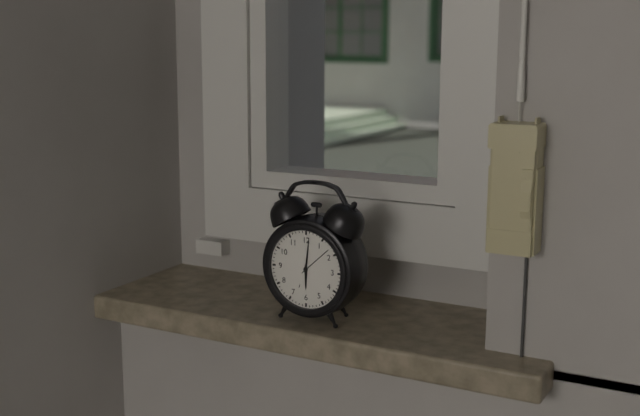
**6:01**
